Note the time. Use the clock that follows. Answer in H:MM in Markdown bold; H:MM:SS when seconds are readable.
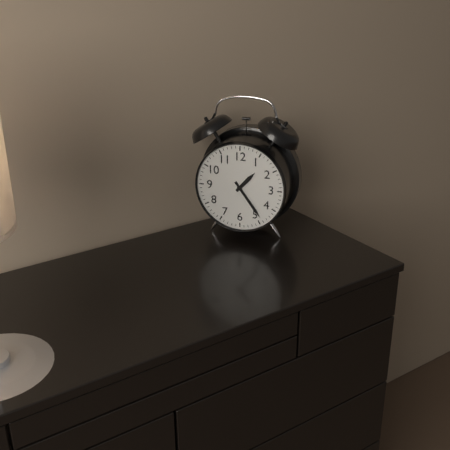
**1:24**
